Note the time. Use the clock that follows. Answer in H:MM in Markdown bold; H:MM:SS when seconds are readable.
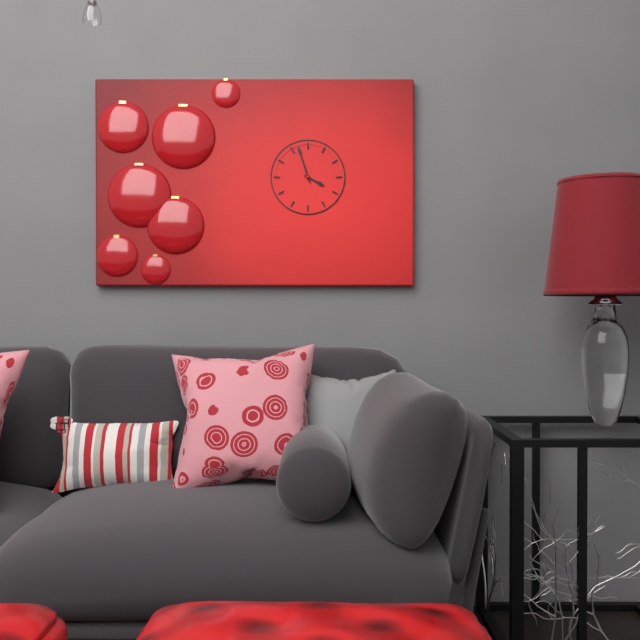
**3:57**
